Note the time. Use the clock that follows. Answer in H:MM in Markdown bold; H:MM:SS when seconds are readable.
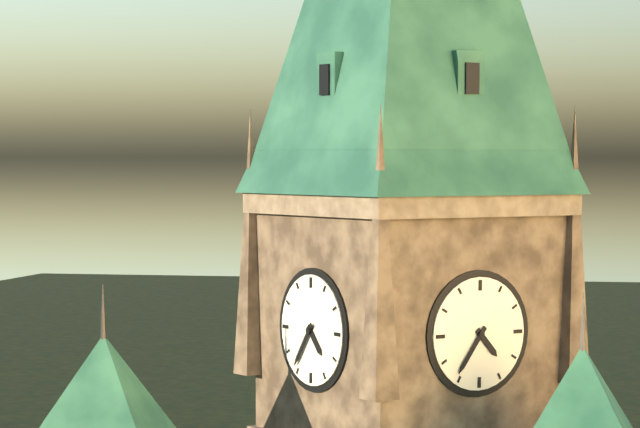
**4:36**
